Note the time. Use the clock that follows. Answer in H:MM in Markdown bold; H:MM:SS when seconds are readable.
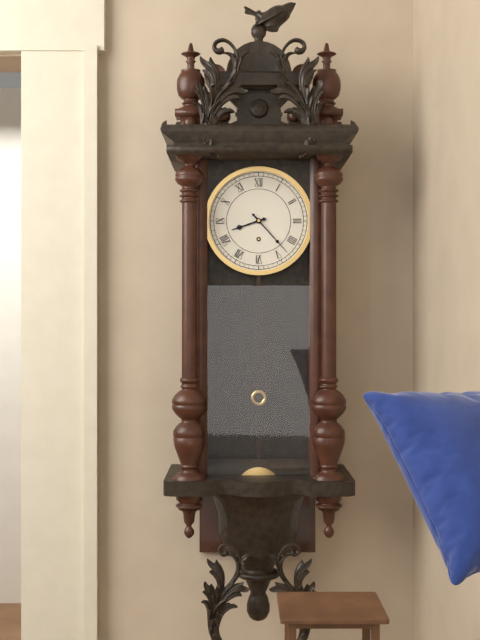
**8:23**
